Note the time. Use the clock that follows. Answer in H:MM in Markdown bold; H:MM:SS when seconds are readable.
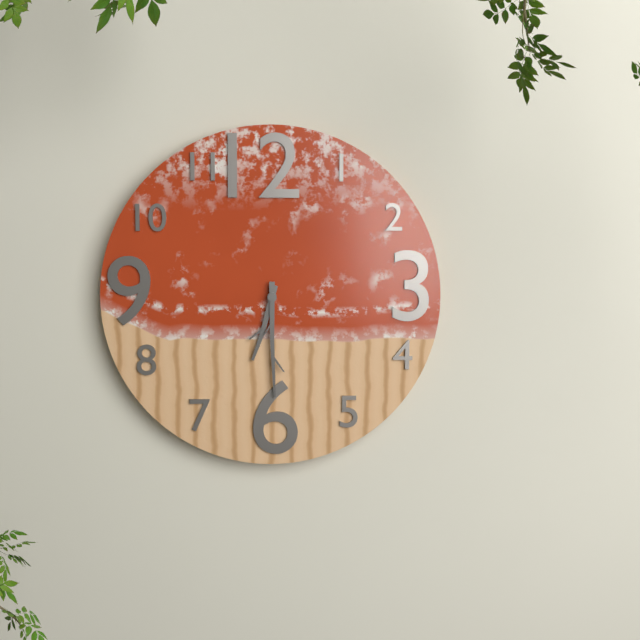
**6:30**
